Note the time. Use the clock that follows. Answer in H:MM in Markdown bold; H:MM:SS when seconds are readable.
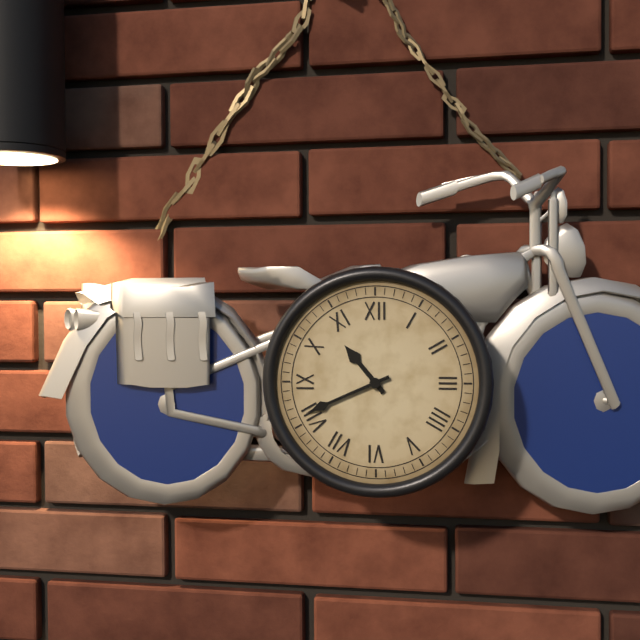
**10:41**
